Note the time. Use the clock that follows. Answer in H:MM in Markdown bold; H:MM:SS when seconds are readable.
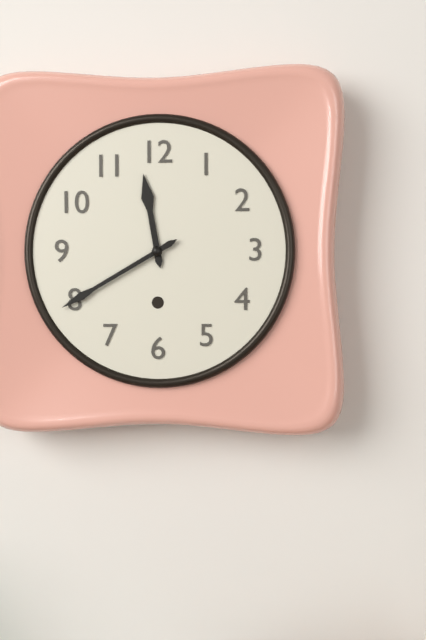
**11:40**
